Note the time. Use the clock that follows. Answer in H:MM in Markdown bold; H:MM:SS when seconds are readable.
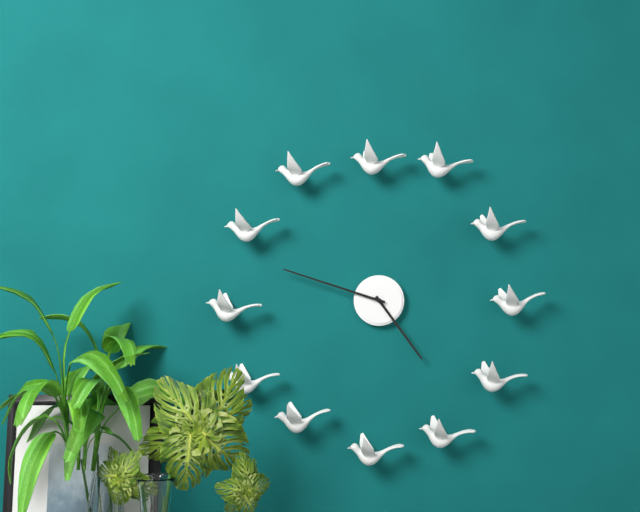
**4:48**
